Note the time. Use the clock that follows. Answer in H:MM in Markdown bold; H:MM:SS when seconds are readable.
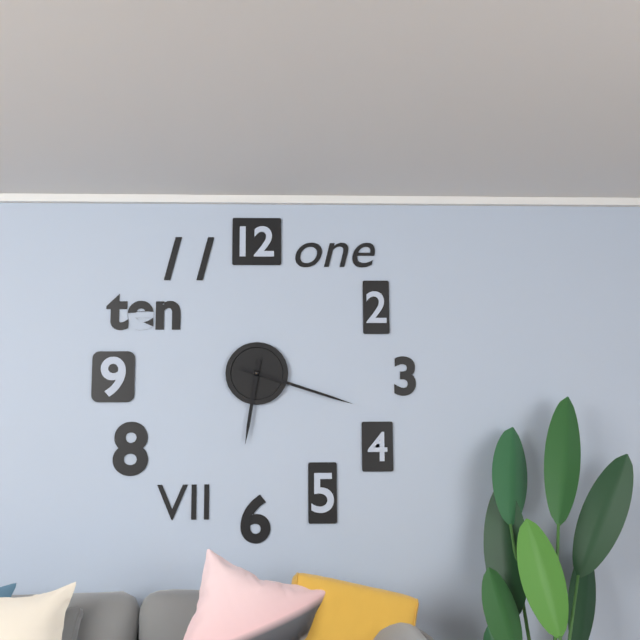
**6:18**
